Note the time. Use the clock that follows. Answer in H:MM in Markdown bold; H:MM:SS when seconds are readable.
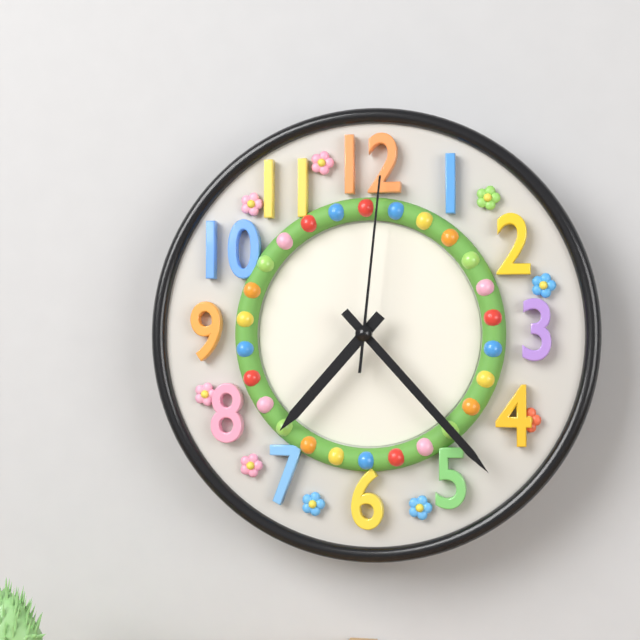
**7:23:01**
